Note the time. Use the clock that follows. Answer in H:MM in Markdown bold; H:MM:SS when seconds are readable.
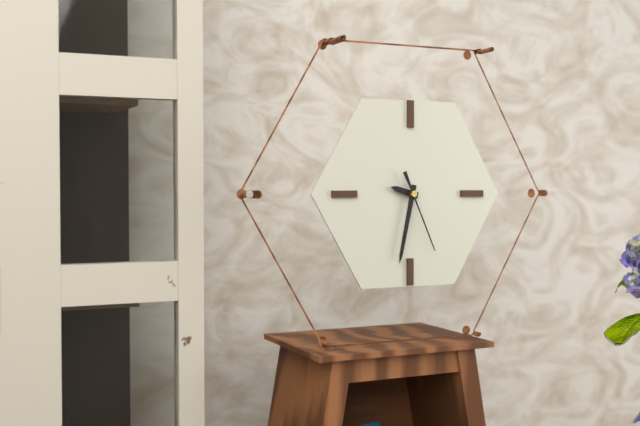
**9:32:26**
